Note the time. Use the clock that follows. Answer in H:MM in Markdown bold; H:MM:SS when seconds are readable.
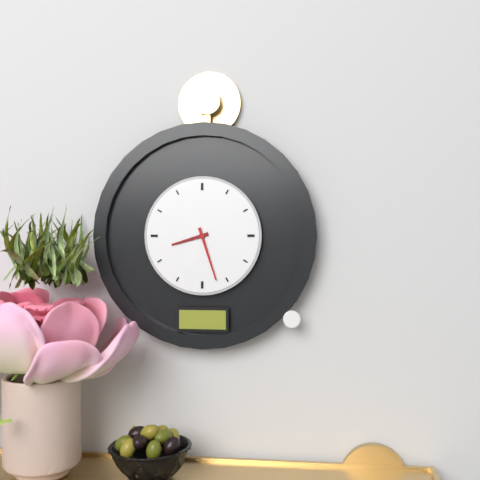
**8:27**
